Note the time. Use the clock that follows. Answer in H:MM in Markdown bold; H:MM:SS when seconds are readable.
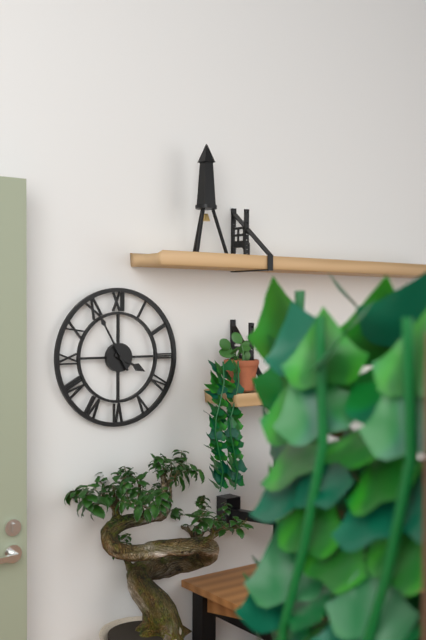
**3:55**
